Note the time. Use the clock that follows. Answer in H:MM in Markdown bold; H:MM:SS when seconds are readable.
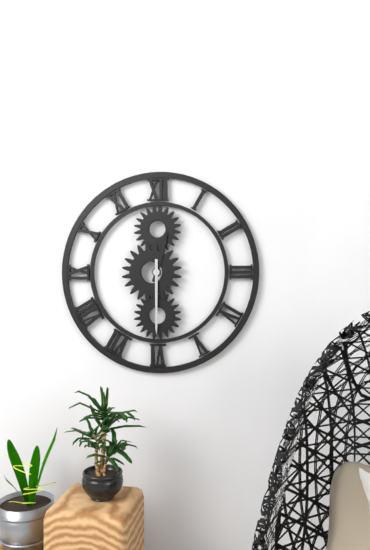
**12:30**
